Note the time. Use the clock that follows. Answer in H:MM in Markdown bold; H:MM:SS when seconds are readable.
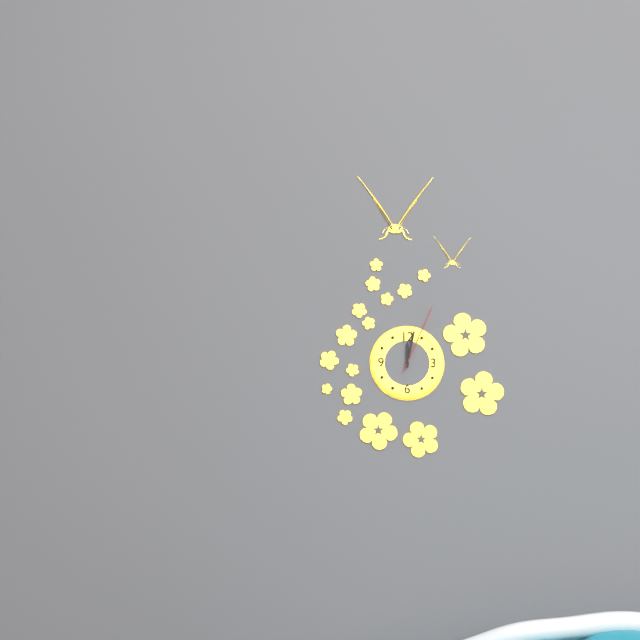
**12:02:04**
